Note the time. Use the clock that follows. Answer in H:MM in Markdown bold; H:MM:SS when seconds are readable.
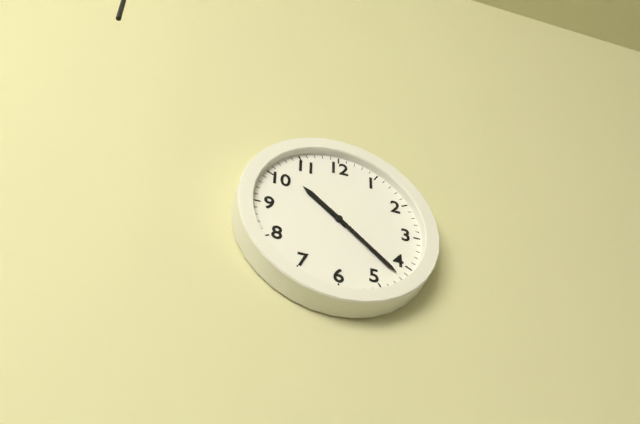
**10:22**
